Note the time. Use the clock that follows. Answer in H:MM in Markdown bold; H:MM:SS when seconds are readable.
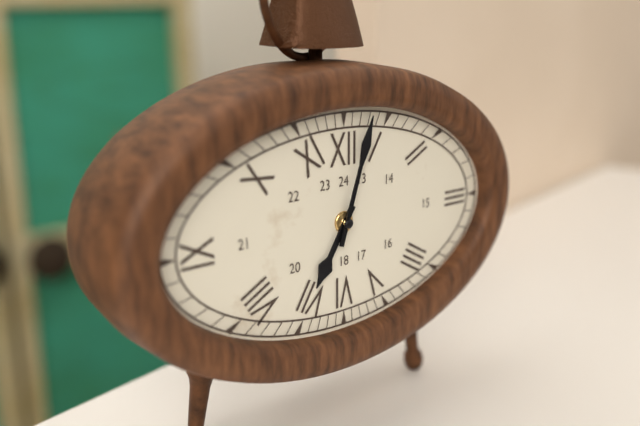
**7:03**
